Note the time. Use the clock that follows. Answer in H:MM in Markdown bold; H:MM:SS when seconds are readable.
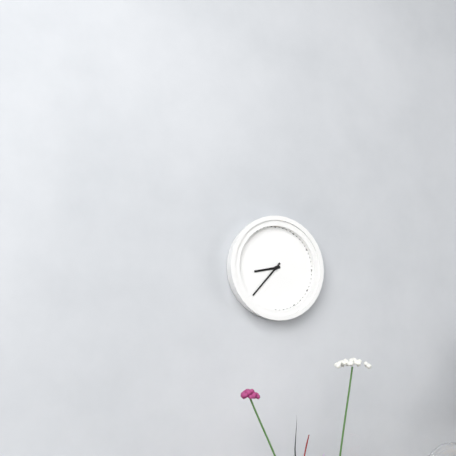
**8:37**
